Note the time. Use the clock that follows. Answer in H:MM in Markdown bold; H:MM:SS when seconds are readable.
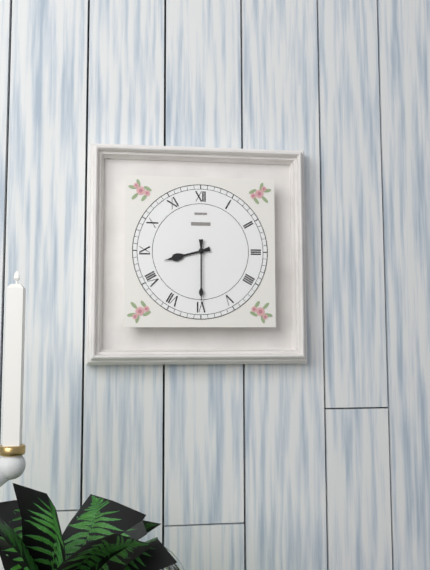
**8:30**
